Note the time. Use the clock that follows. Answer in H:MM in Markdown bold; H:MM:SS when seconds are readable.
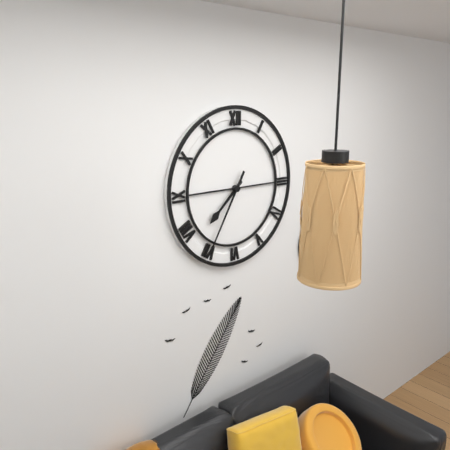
**7:35**
